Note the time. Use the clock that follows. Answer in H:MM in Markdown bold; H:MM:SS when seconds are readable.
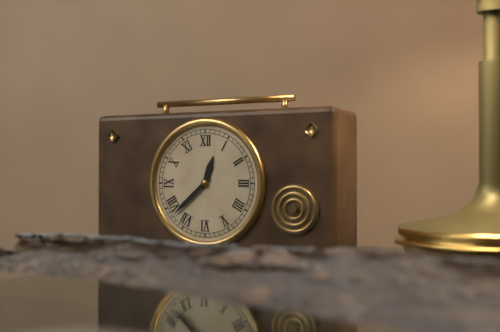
**12:38**
